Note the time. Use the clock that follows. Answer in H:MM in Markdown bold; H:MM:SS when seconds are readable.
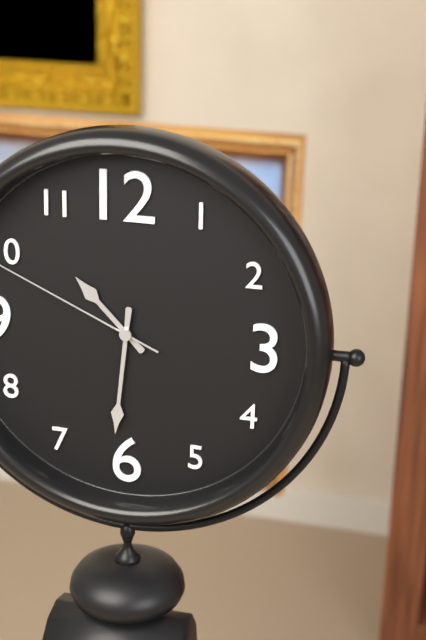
**10:31**
